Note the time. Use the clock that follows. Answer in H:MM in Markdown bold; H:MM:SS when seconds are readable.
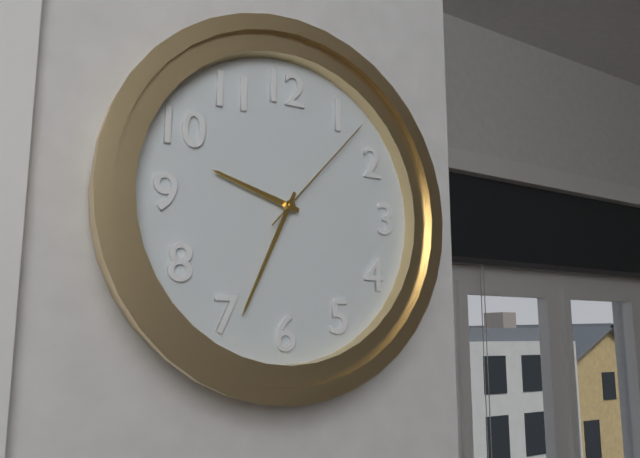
**9:34:07**
